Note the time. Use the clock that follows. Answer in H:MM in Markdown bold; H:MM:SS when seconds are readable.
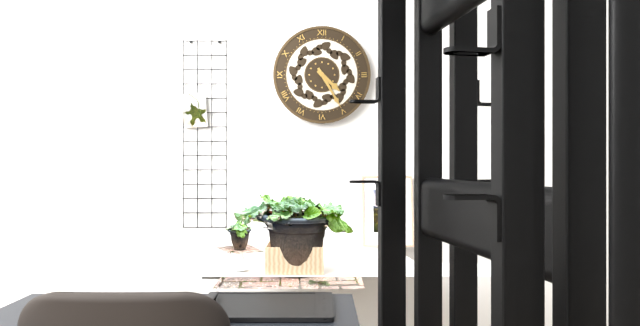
**4:25**
